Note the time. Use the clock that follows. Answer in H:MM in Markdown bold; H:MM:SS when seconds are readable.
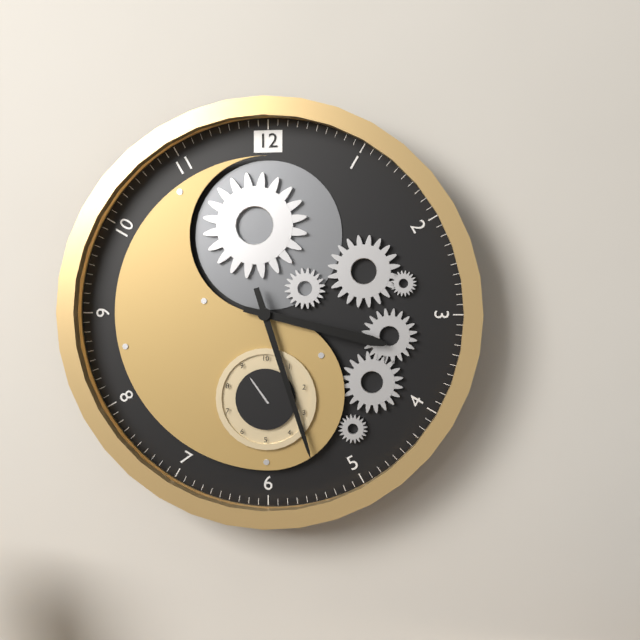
**3:27**
